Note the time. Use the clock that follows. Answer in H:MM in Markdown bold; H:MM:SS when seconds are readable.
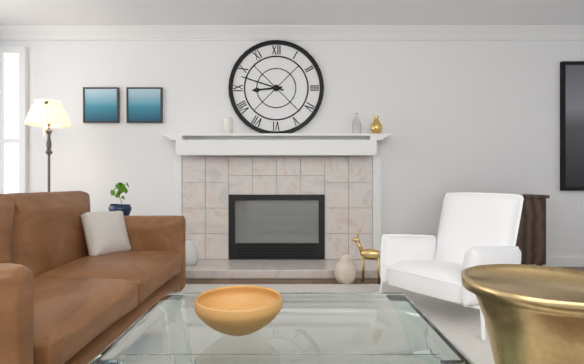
**8:48**
